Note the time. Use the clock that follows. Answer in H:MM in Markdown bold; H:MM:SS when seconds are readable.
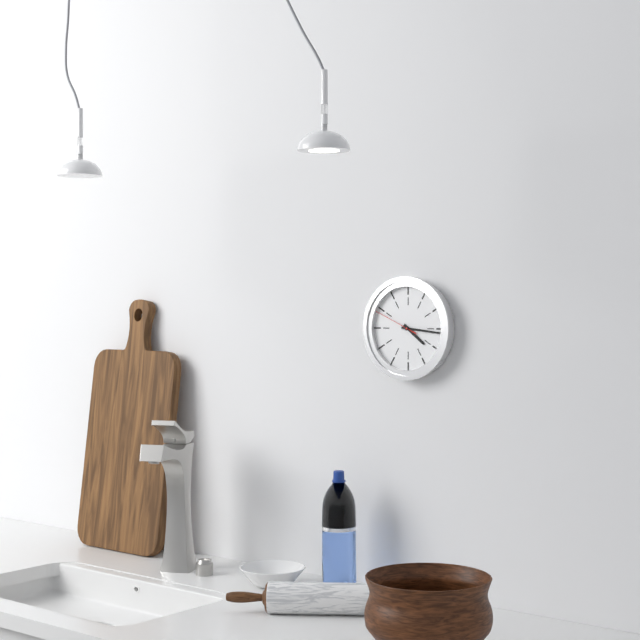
**4:16**
